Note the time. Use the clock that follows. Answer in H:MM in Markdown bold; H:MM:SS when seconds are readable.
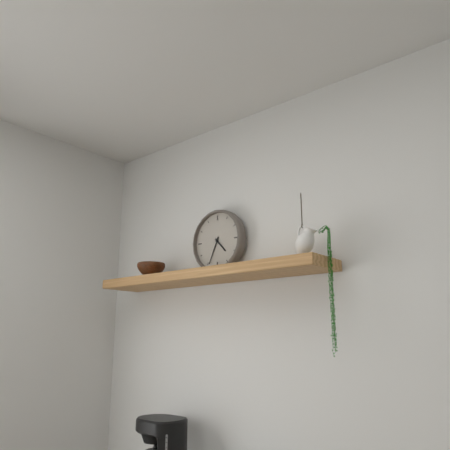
**4:34**
